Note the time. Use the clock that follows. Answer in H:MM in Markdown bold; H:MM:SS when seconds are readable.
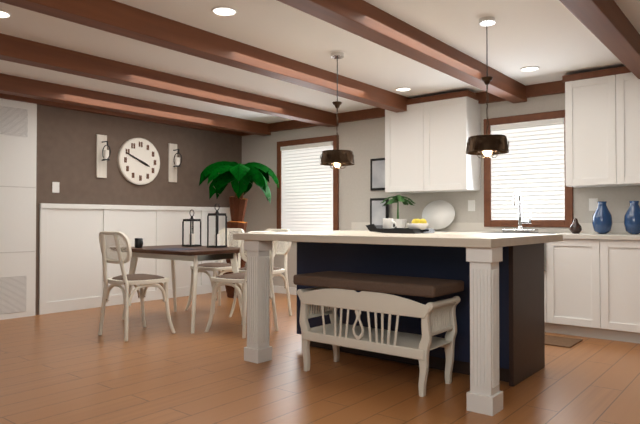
**3:49**
